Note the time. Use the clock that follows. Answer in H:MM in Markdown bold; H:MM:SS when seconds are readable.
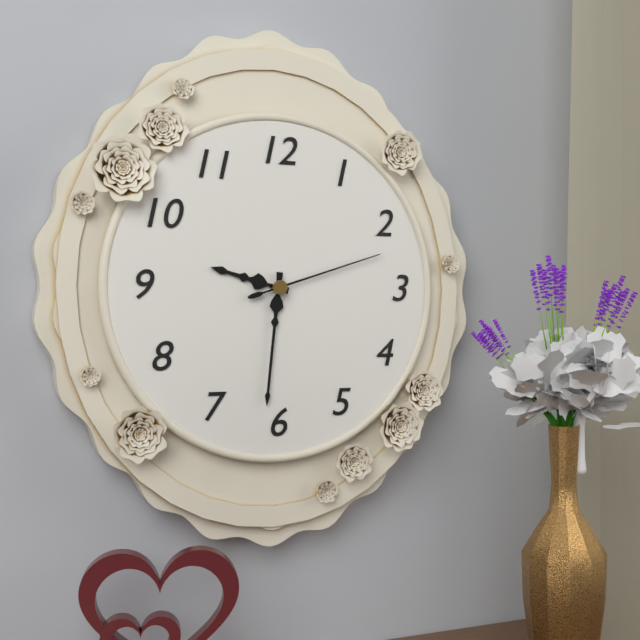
**9:31:12**
